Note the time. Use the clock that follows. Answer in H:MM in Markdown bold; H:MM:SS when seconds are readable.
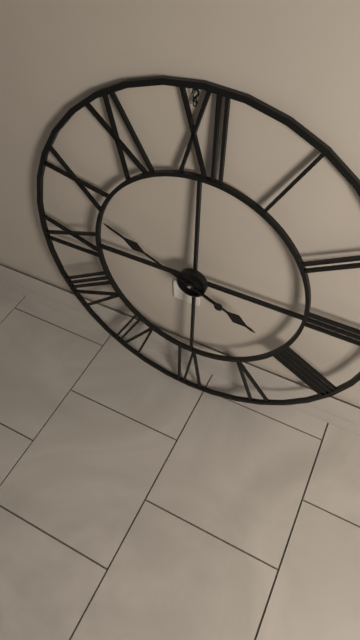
**3:49**
